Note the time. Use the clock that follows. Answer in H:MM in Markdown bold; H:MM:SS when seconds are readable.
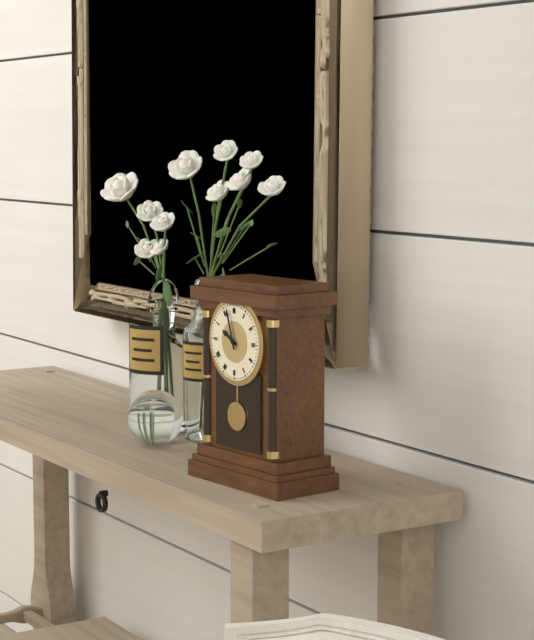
**9:57**
